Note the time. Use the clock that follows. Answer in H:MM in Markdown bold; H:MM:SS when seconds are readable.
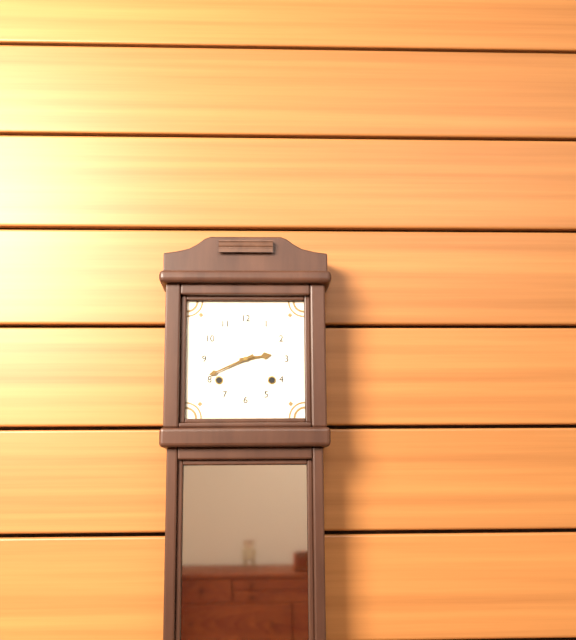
**2:41**
